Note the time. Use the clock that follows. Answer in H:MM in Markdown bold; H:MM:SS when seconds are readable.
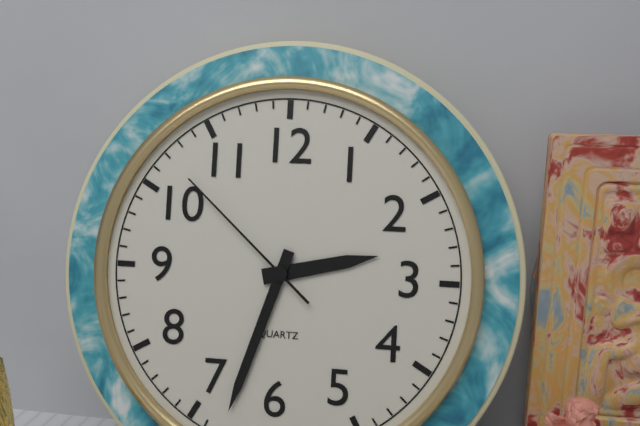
**2:33:52**
